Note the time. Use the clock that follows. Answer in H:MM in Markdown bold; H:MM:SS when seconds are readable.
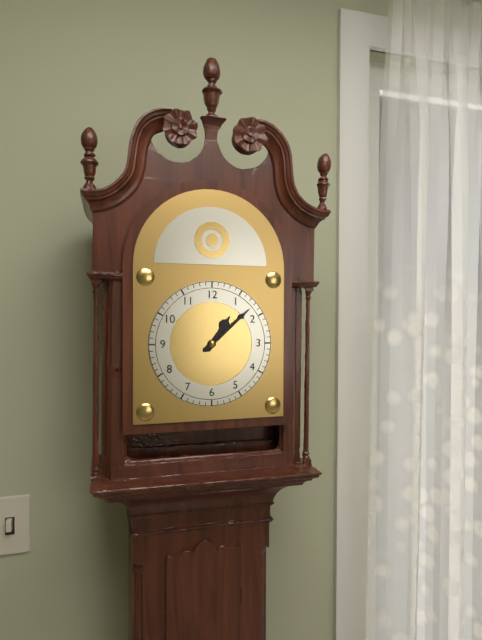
**1:08**
